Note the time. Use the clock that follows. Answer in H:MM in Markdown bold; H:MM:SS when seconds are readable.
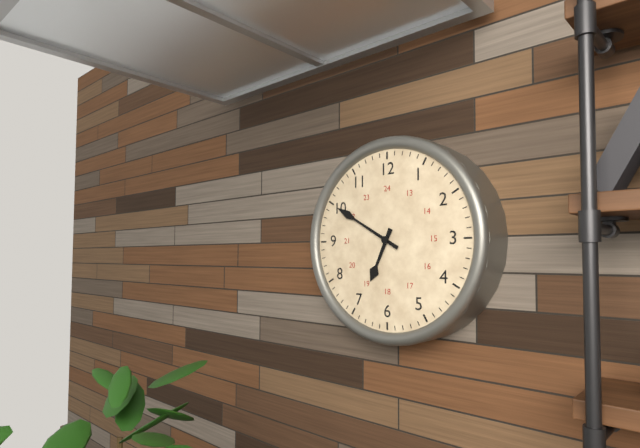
**6:50**
